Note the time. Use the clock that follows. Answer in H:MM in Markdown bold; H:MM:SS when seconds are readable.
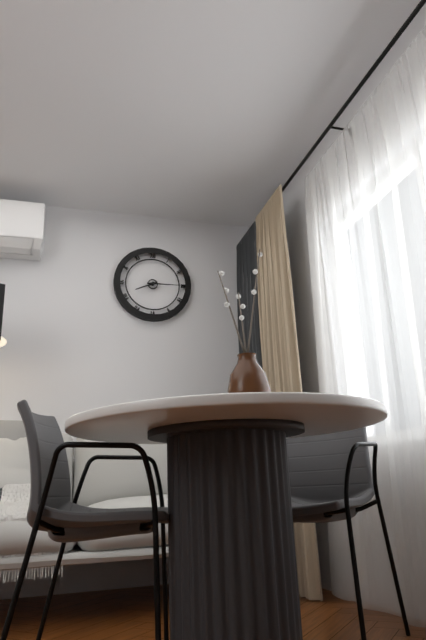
**8:15**
